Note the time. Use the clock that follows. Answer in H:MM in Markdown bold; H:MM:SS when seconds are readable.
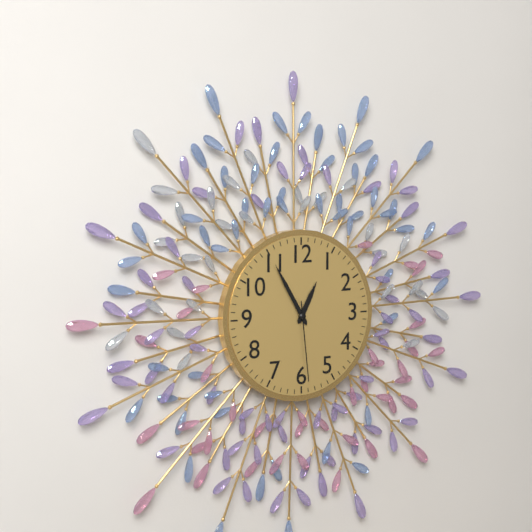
**12:55:29**
